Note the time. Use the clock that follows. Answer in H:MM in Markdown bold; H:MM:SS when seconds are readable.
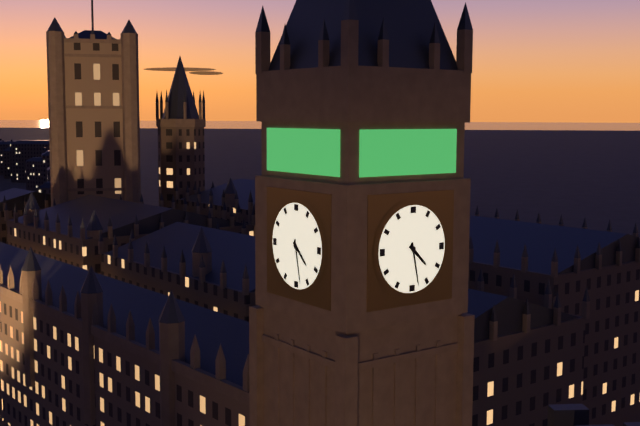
**4:28**
